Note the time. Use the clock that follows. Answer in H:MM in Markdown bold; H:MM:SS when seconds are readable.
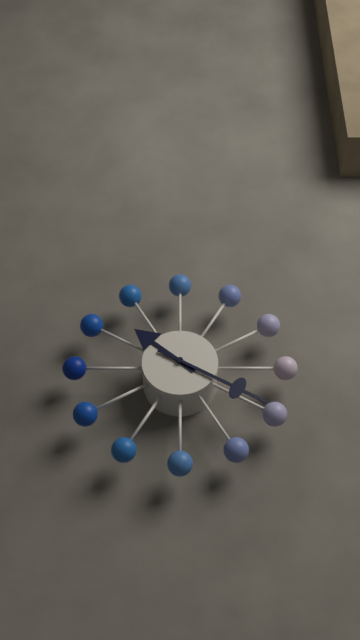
**10:20**
